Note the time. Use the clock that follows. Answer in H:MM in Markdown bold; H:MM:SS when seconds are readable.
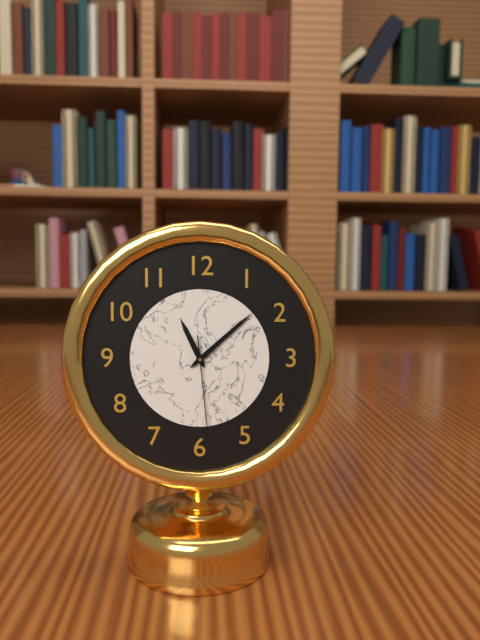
**11:08:29**
